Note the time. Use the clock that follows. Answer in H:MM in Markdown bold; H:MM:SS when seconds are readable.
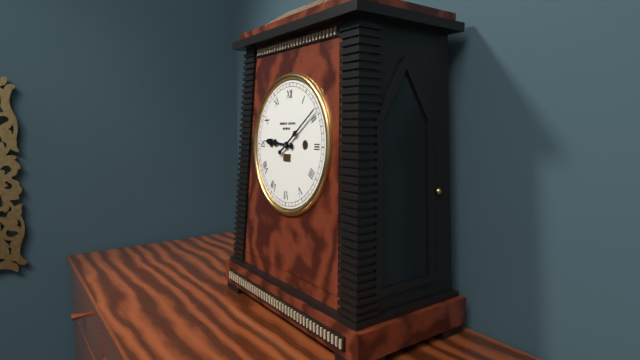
**9:09**
